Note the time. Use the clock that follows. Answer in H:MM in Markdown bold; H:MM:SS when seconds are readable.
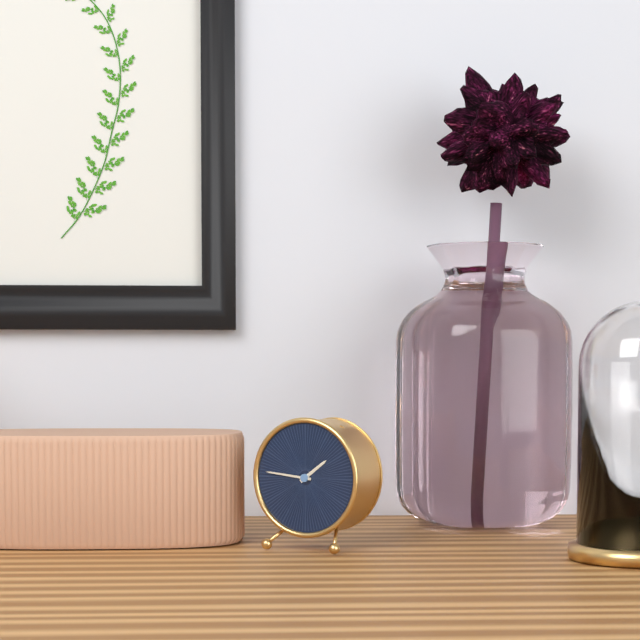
**1:46**
